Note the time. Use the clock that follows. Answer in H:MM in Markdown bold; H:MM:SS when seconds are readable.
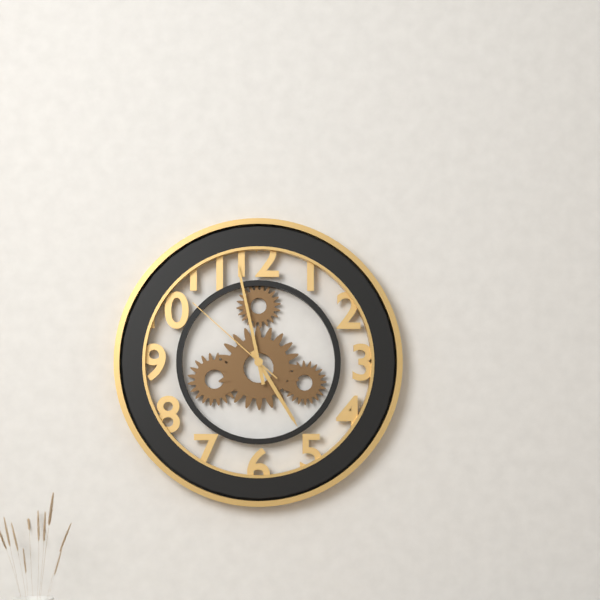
**4:58:52**
